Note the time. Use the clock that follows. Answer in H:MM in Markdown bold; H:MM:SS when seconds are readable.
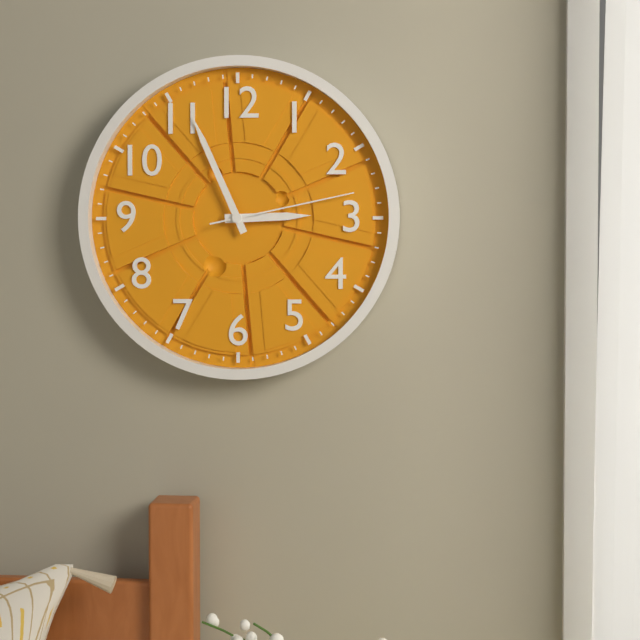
**2:56:13**
